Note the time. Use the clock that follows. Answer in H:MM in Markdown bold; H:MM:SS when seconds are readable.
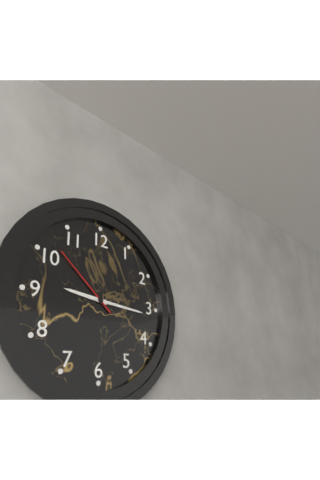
**9:16:52**
